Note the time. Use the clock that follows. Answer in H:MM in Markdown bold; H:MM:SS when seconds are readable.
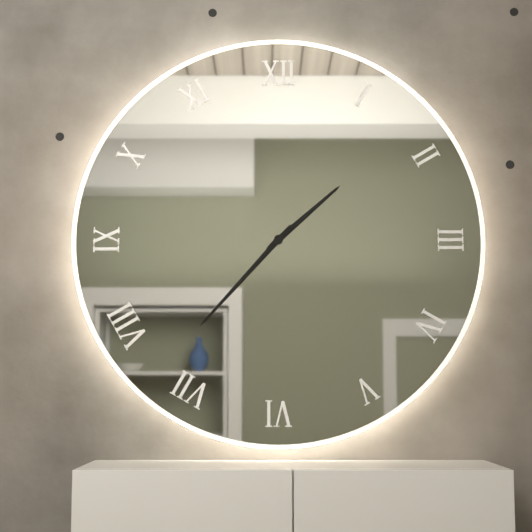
**1:37**
